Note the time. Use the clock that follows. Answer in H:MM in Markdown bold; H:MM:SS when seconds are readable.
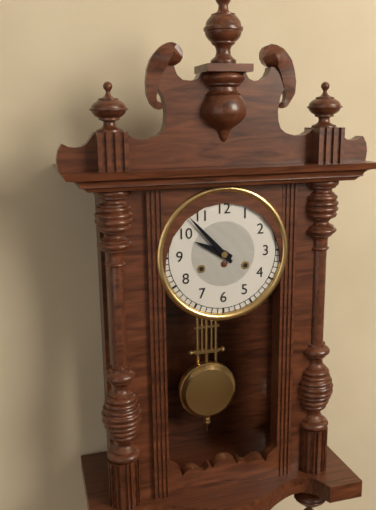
**9:53**
